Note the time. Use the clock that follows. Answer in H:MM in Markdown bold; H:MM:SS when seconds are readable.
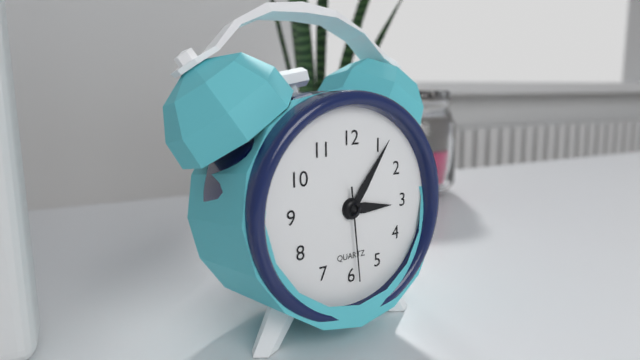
**3:06:29**
